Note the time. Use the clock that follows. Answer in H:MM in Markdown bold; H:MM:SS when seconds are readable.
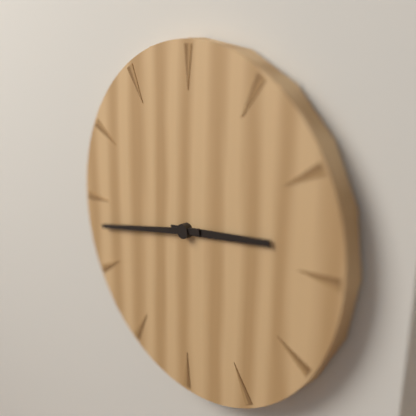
**2:43**
